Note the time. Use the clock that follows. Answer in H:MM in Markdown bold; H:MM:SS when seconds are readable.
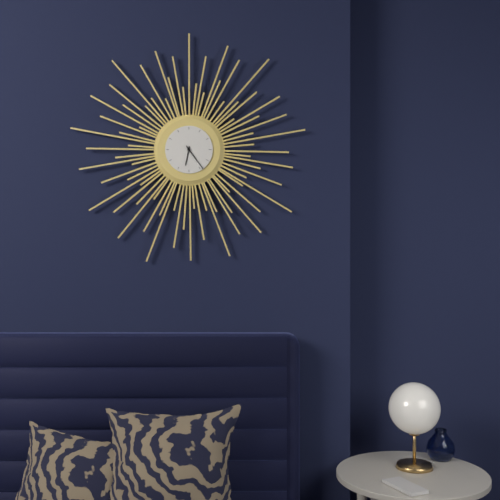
**6:24**
